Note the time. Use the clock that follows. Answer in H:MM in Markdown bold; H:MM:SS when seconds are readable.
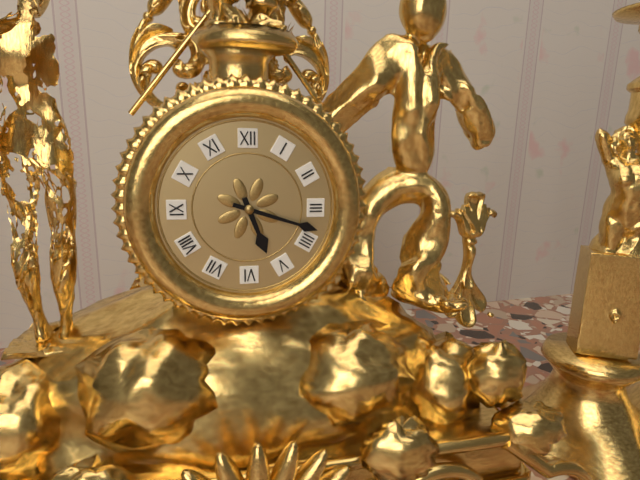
**5:18**
